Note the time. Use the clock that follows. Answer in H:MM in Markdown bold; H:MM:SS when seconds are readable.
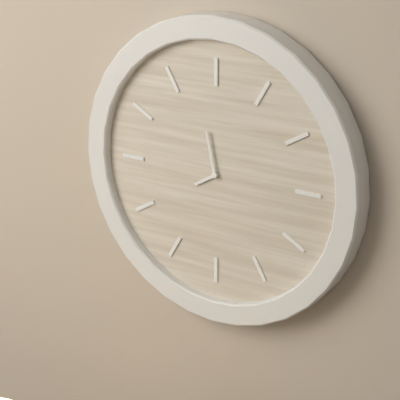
**7:58**
